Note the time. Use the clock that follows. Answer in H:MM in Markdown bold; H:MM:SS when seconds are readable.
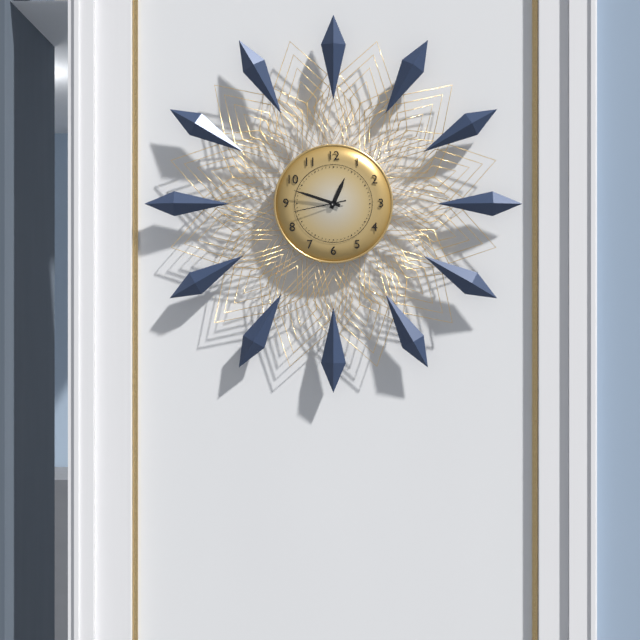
**12:48:43**
